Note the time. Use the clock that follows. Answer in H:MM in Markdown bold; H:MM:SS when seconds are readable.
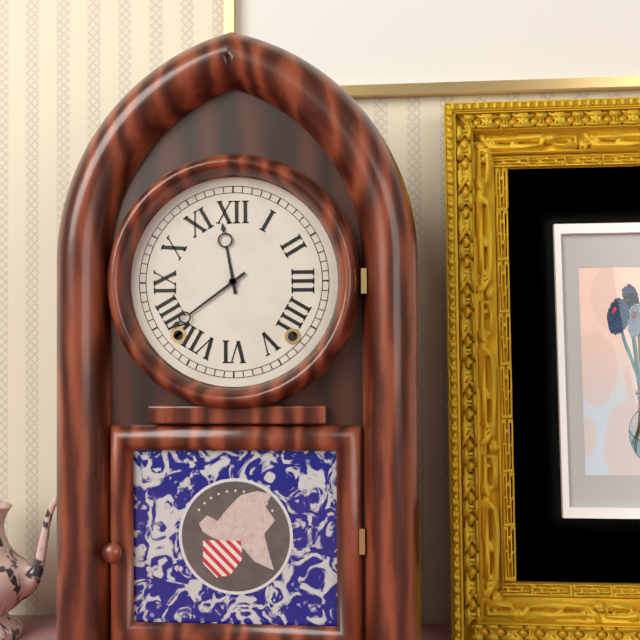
**11:39**
